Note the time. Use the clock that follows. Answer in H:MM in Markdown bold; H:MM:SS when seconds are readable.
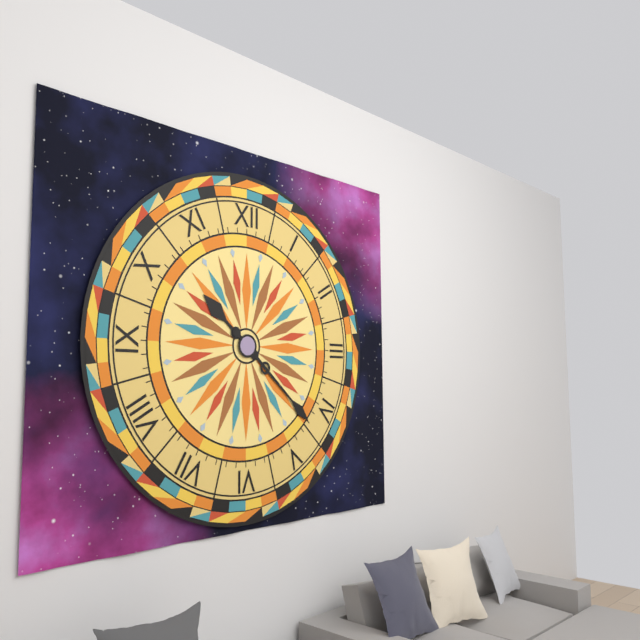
**10:22**
